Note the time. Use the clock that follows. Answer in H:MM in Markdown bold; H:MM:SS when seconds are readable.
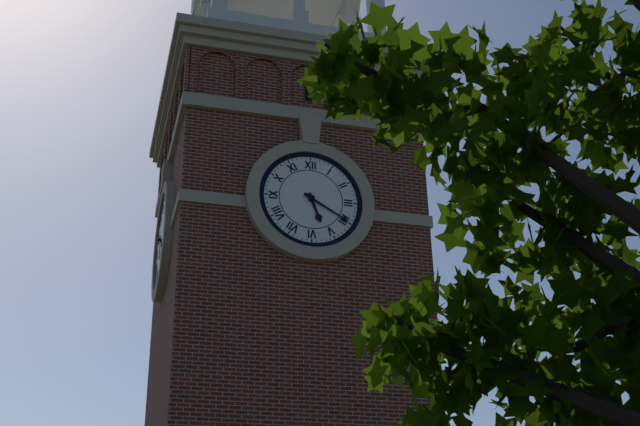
**5:20**
